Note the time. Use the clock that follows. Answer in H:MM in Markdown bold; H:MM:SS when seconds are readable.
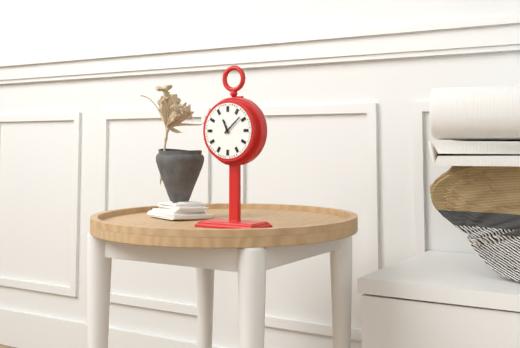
**11:08**
